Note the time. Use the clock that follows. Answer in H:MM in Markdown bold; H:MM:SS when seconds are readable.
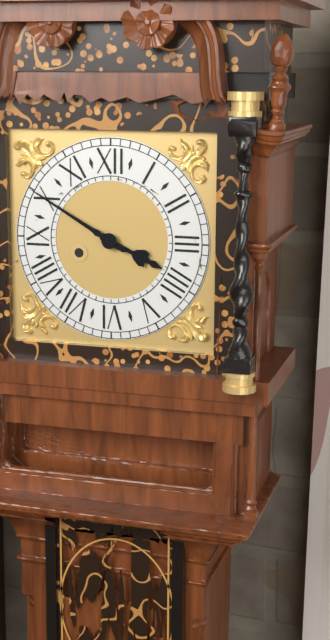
**3:50**
